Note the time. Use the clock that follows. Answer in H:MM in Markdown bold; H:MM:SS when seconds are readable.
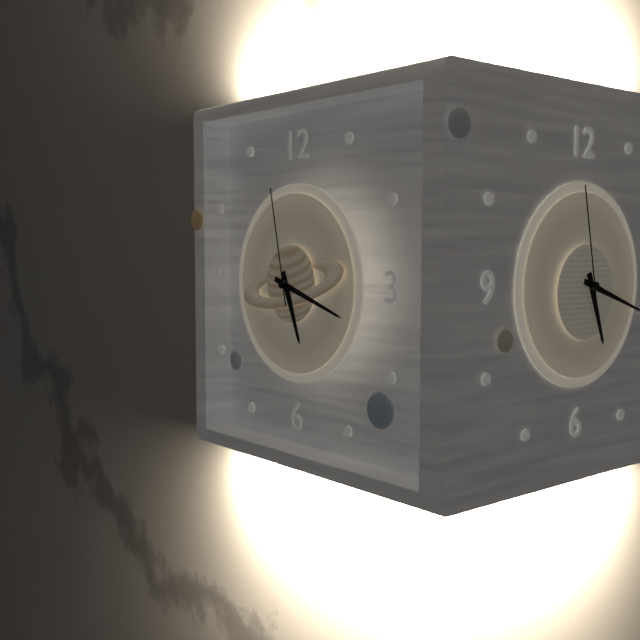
**5:18:58**
